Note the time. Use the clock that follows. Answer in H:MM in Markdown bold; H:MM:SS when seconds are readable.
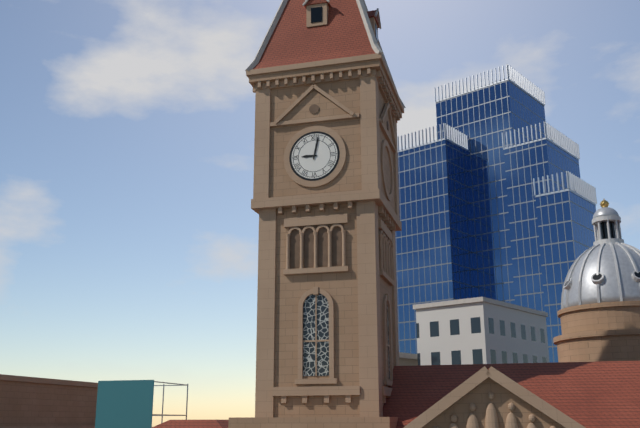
**9:02**
